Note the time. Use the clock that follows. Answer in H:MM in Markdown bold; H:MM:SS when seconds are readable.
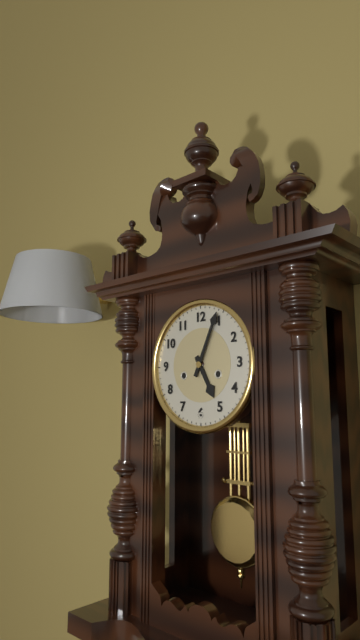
**5:04**
